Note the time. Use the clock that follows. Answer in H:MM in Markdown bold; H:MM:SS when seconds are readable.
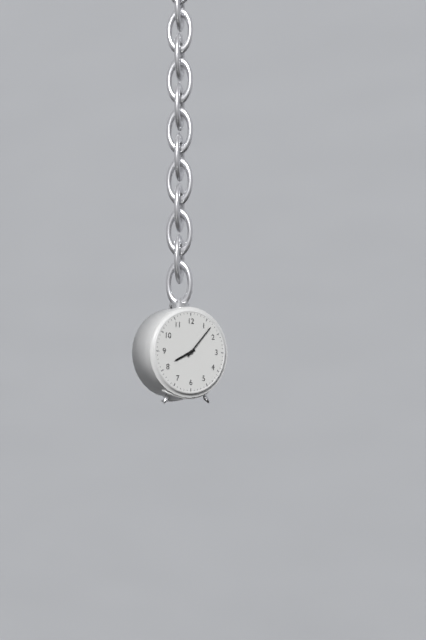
**8:07**
